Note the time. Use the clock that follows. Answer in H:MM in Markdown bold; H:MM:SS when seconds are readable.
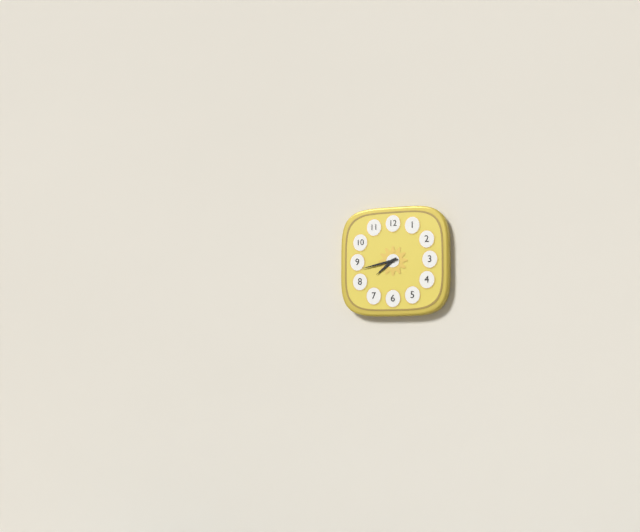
**7:43**
